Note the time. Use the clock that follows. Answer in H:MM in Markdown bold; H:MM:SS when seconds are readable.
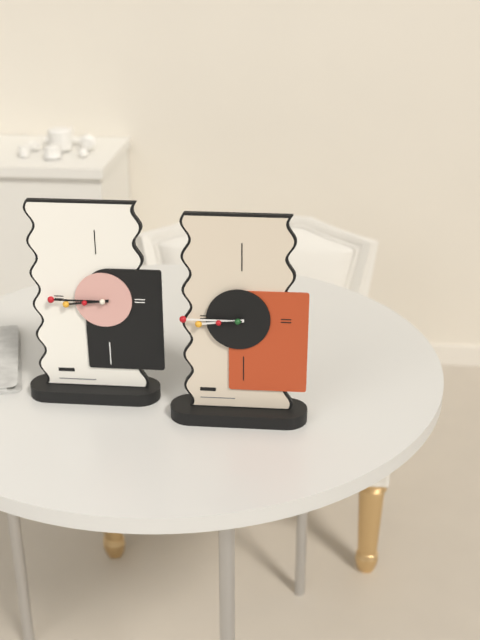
**8:45**
